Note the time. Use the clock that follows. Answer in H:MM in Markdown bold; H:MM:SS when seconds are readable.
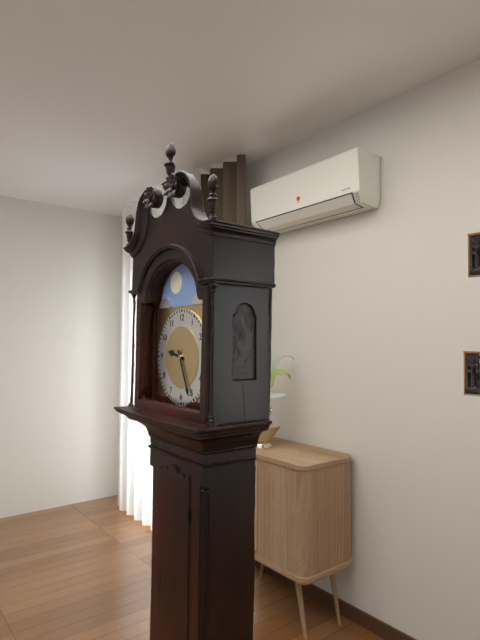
**9:26**
